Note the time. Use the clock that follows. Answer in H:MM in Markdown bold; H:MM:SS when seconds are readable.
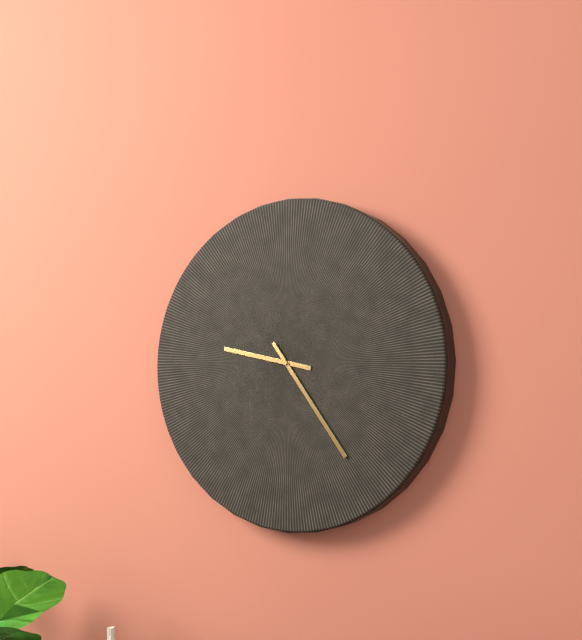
**9:24**
